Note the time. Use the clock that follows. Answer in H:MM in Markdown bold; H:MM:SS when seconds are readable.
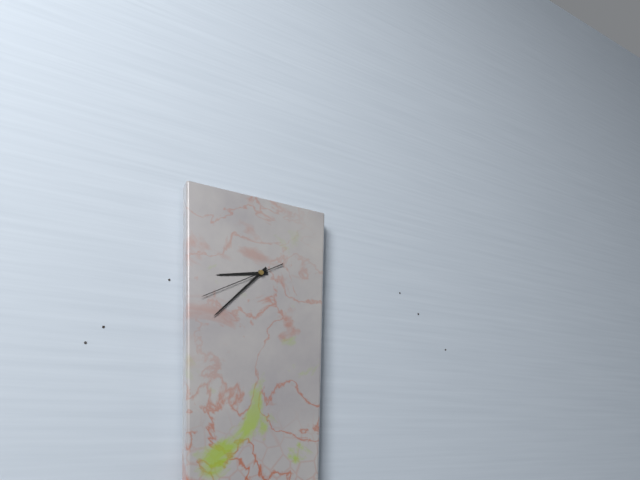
**8:37:40**
